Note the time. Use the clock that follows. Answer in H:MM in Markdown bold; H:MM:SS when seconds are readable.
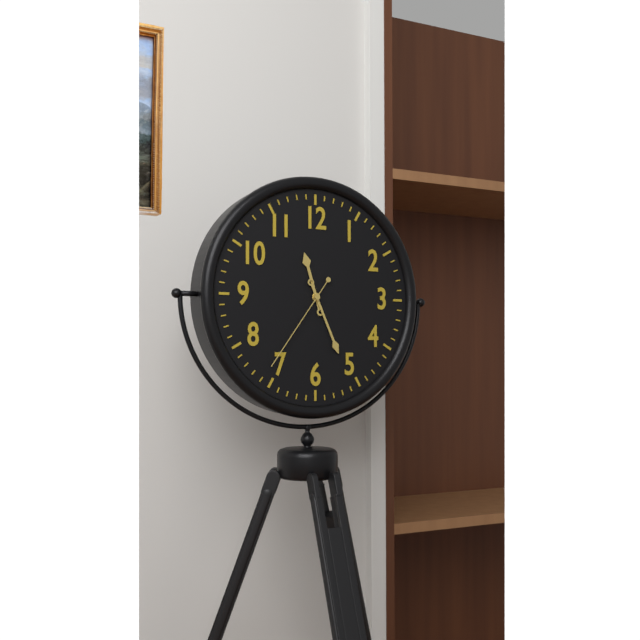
**11:26:36**
